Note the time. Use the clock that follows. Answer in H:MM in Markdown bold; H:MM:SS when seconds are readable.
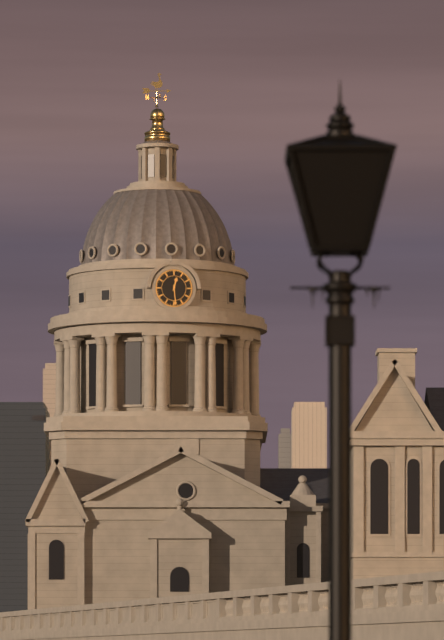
**12:29**
